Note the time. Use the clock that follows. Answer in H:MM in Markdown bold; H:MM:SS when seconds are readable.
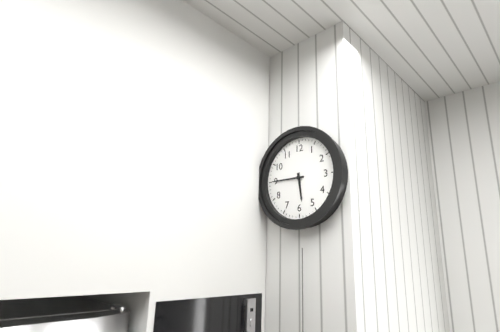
**5:45**
